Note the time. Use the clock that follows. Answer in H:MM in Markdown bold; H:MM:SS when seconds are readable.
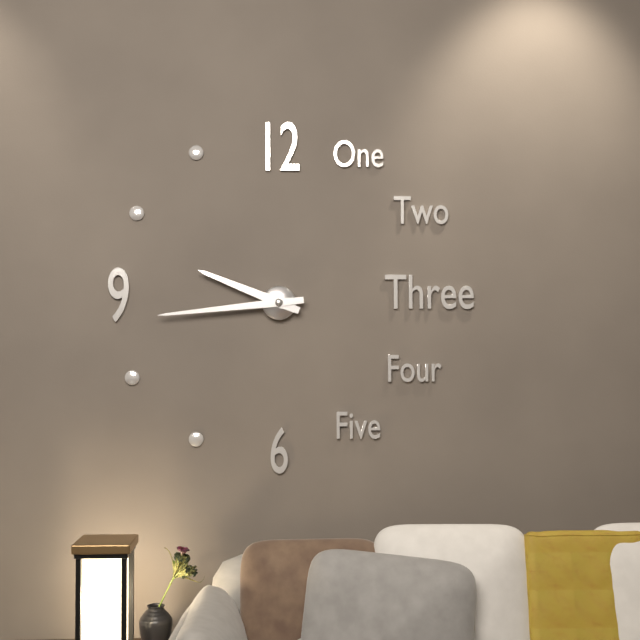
**9:44**
